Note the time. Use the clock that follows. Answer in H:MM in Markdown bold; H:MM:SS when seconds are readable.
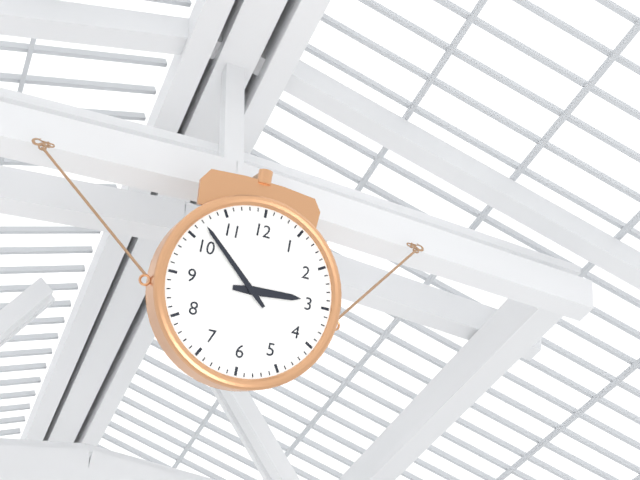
**2:52**
